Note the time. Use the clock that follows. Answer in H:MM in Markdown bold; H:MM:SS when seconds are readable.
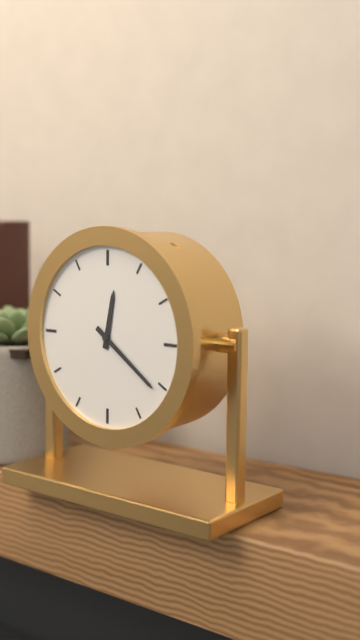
**12:21**
